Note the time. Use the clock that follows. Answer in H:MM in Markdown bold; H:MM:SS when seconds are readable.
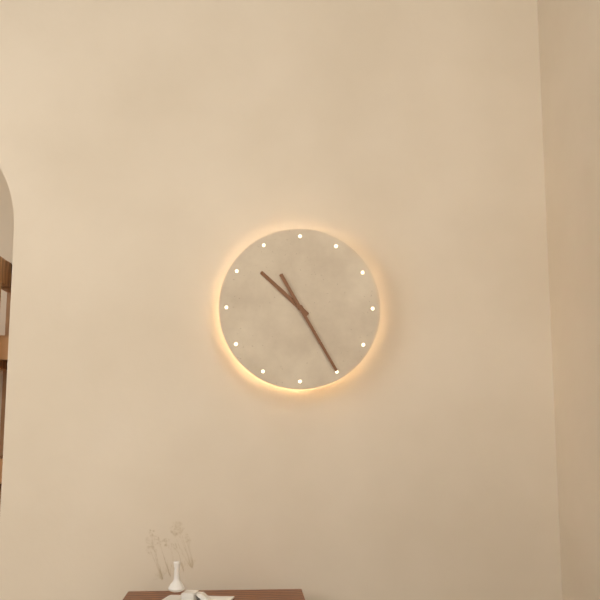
**10:25**
